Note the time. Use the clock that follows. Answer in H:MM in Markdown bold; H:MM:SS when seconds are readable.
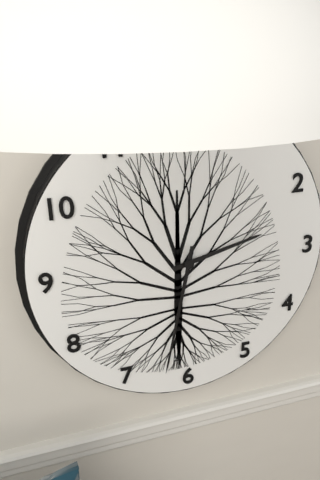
**2:32**
